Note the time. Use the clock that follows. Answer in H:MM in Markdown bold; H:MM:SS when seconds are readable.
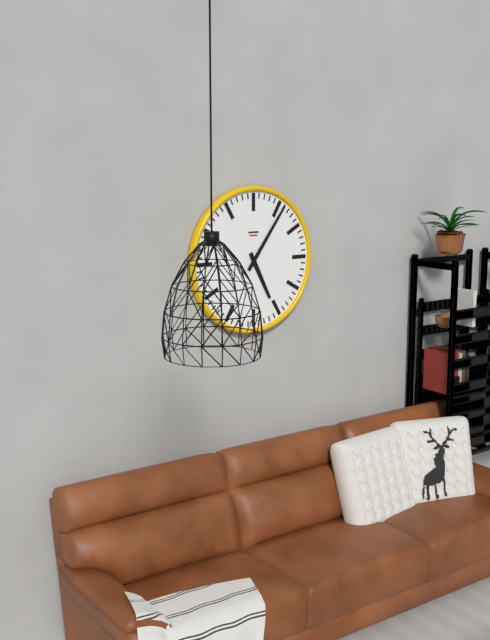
**5:06**
